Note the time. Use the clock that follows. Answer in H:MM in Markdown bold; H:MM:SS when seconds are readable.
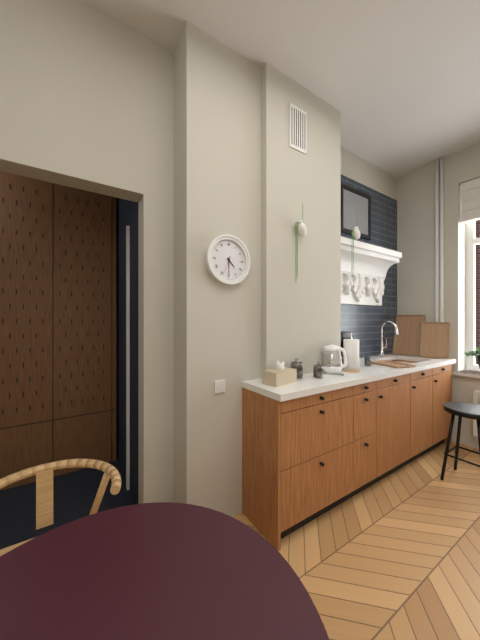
**4:30**
